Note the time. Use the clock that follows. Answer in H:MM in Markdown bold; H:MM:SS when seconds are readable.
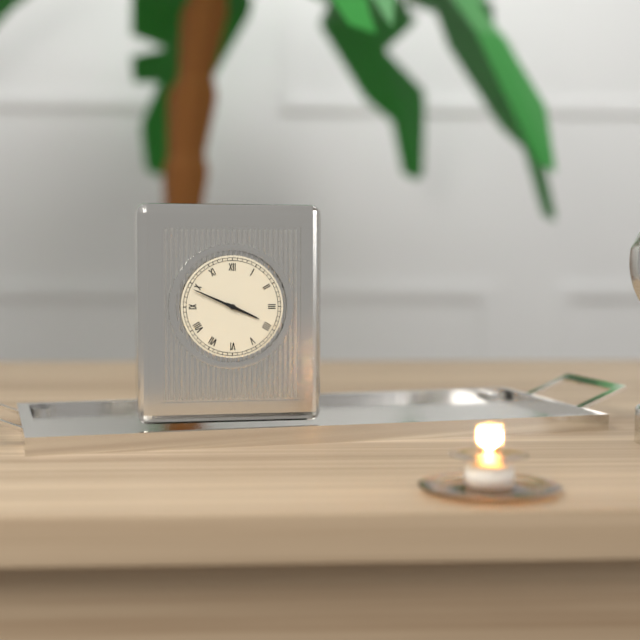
**3:49**
